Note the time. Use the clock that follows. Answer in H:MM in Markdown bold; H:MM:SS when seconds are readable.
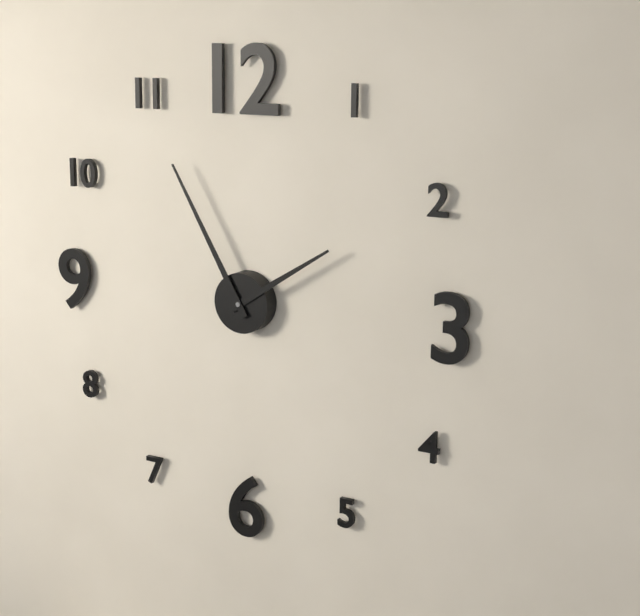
**1:55**
